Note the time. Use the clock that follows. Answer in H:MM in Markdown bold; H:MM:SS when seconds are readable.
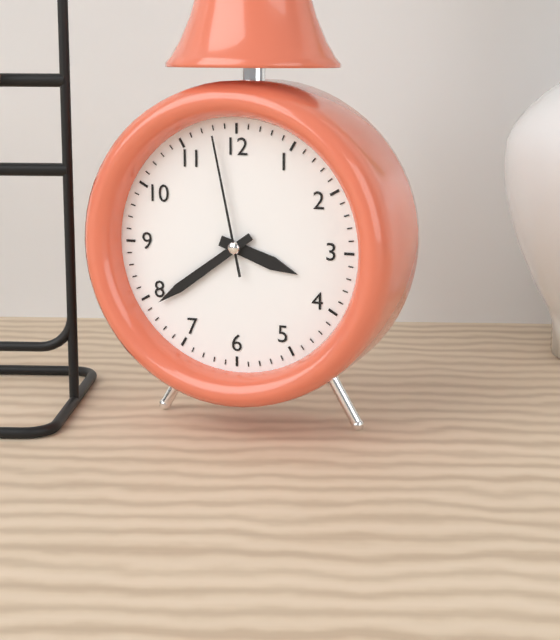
**3:39:58**
